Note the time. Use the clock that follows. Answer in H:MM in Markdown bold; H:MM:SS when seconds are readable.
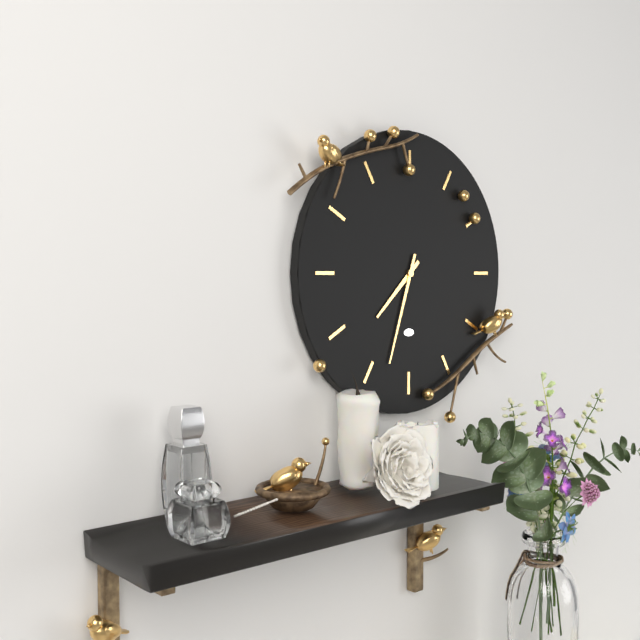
**7:33**
